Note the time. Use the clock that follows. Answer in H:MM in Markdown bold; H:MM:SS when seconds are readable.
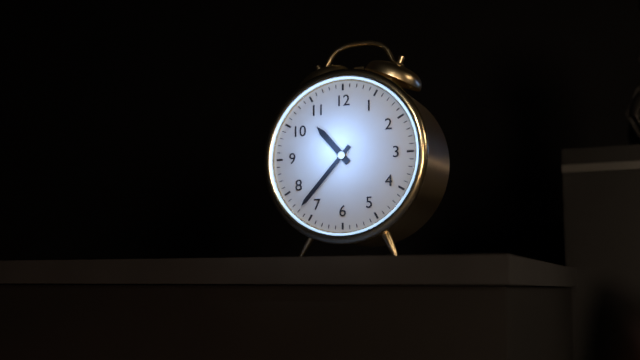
**10:37**
